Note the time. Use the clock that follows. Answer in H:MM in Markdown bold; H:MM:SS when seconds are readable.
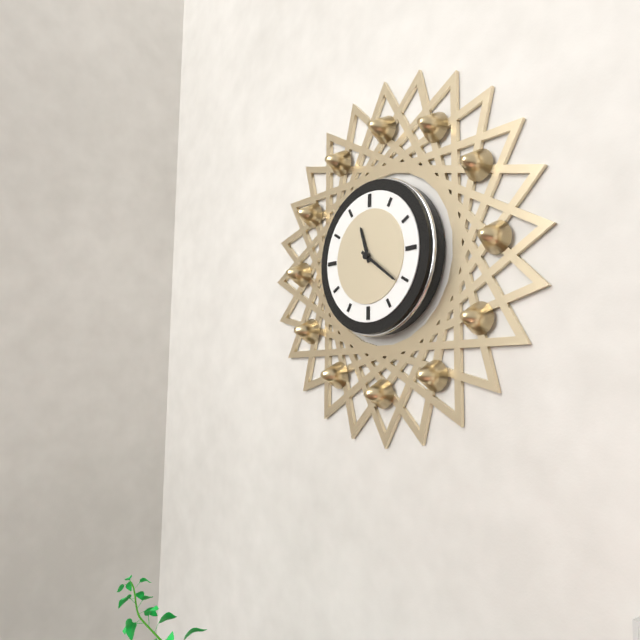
**11:21**
